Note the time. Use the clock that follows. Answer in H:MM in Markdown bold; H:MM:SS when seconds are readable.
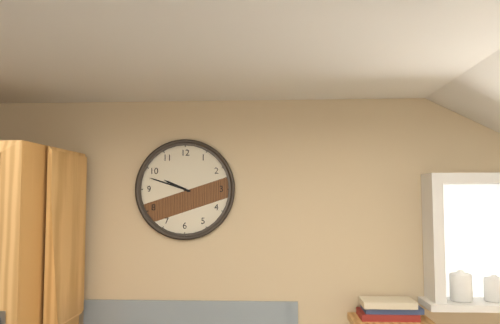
**9:48**
